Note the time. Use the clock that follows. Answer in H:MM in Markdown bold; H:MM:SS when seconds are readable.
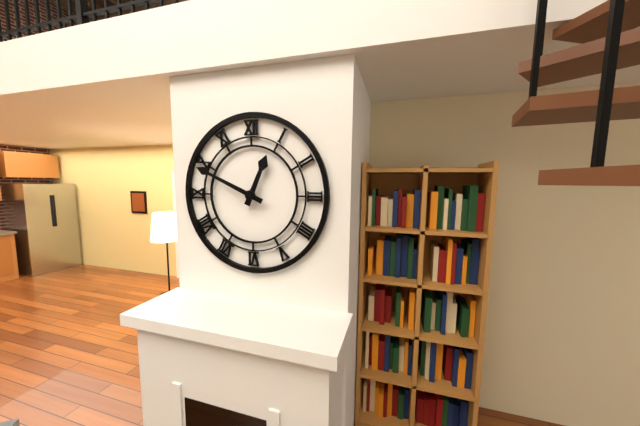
**12:49**
